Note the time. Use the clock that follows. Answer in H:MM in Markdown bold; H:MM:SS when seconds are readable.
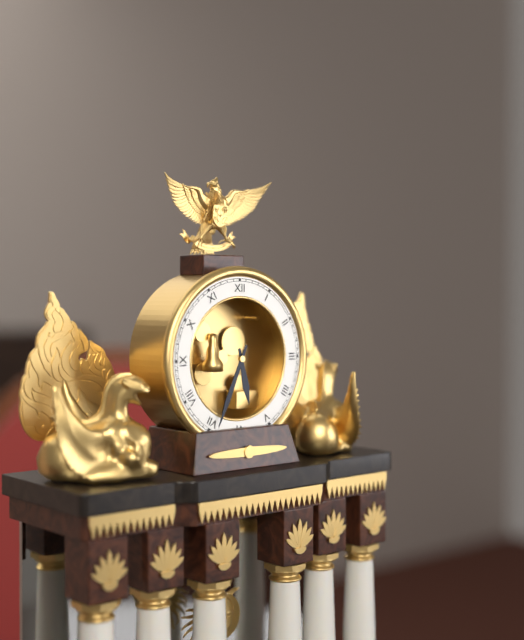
**5:34**
